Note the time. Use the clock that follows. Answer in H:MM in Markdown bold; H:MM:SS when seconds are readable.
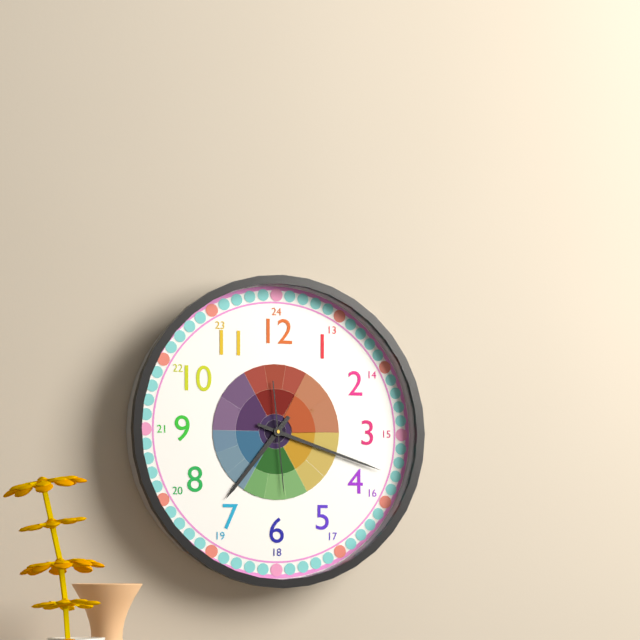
**7:18:29**
